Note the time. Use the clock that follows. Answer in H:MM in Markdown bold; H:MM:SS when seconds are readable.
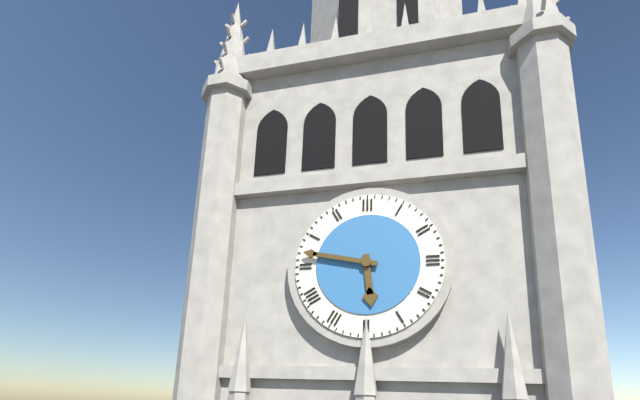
**5:47**
